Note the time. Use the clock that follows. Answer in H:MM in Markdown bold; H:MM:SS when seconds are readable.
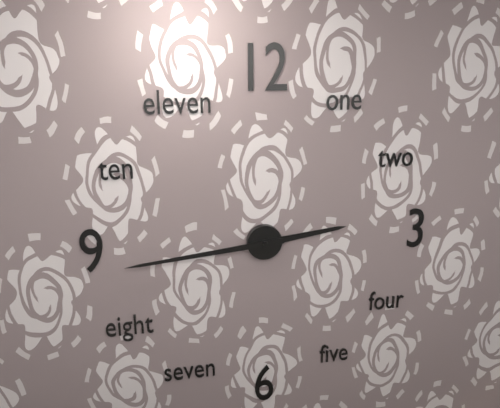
**2:44**
